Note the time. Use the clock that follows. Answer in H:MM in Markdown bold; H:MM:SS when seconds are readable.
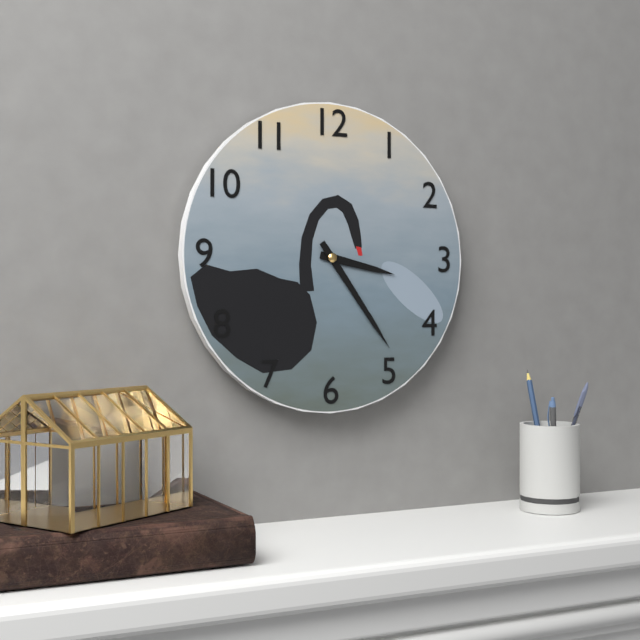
**3:24**
